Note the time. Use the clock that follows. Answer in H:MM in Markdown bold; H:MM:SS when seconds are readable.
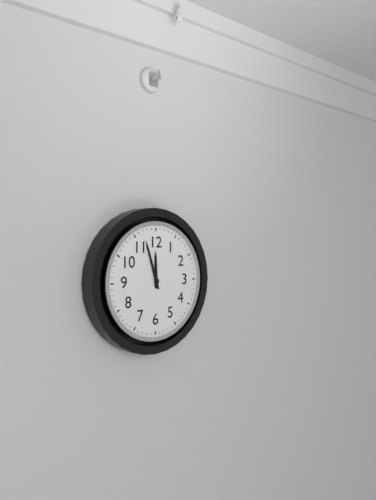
**11:57**
